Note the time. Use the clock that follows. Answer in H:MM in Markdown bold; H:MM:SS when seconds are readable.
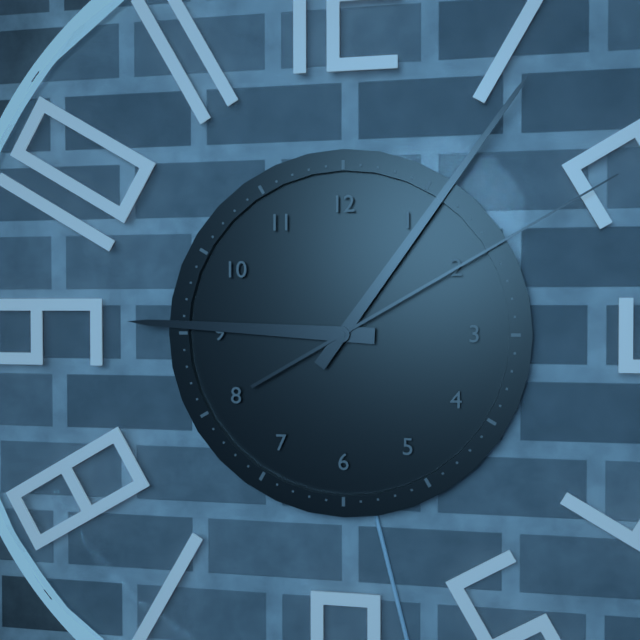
**9:06:10**
